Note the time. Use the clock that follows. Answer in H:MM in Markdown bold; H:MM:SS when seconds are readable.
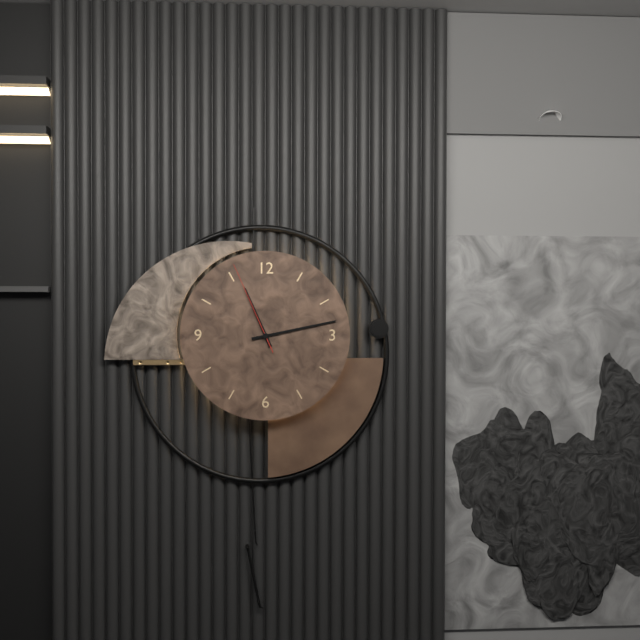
**11:13:56**
